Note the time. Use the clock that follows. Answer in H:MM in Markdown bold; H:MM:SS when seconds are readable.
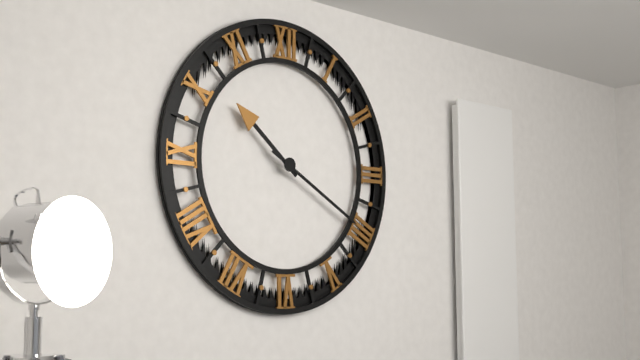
**10:20**
